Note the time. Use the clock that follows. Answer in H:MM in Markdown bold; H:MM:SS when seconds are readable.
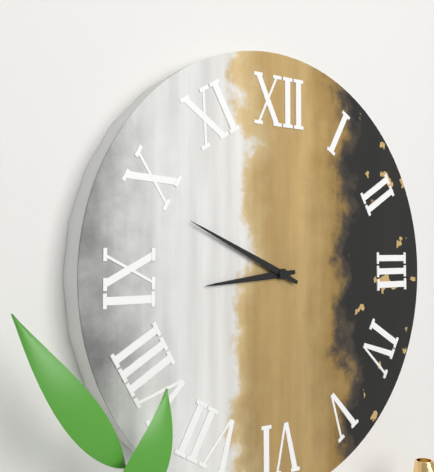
**8:49**
